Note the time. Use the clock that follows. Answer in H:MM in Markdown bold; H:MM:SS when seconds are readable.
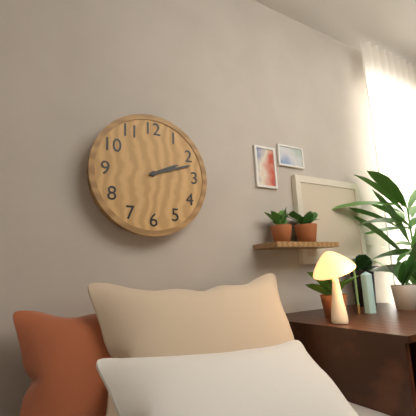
**2:12**
